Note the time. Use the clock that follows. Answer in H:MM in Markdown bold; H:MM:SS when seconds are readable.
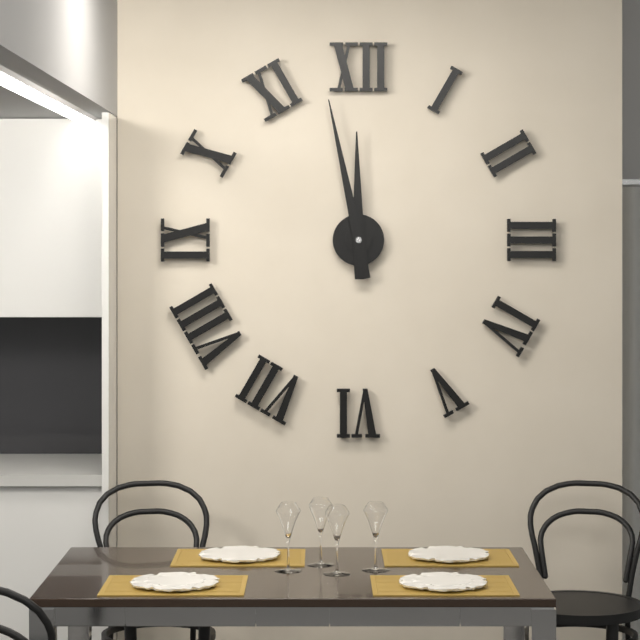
**11:58**
